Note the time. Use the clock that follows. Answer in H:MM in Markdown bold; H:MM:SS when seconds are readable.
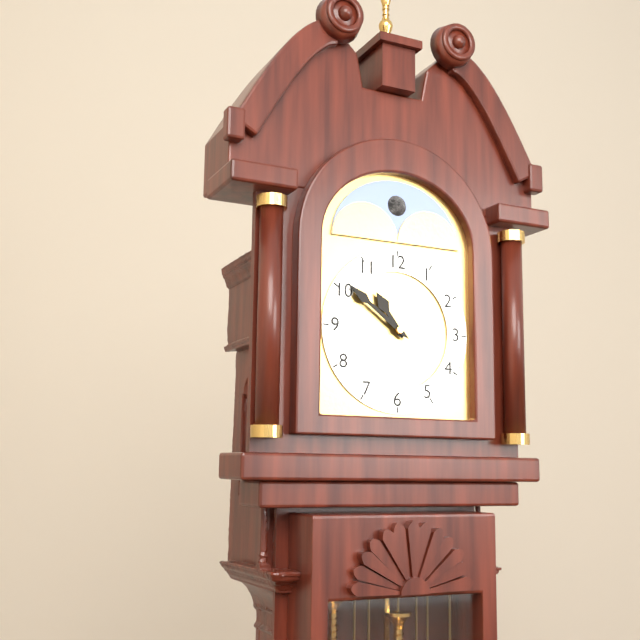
**10:51**
